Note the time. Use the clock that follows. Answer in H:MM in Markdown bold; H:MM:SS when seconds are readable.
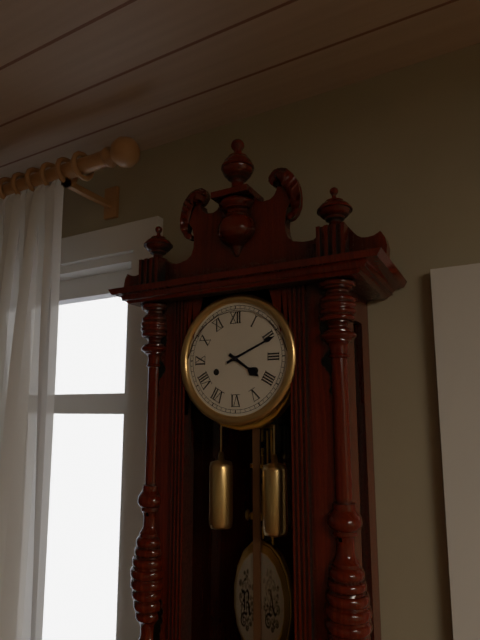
**4:11**
